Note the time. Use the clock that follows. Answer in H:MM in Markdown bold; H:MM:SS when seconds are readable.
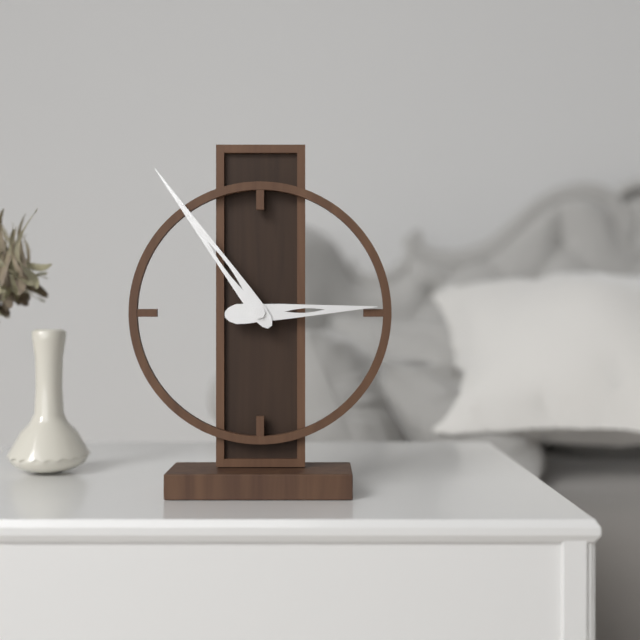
**2:54**
